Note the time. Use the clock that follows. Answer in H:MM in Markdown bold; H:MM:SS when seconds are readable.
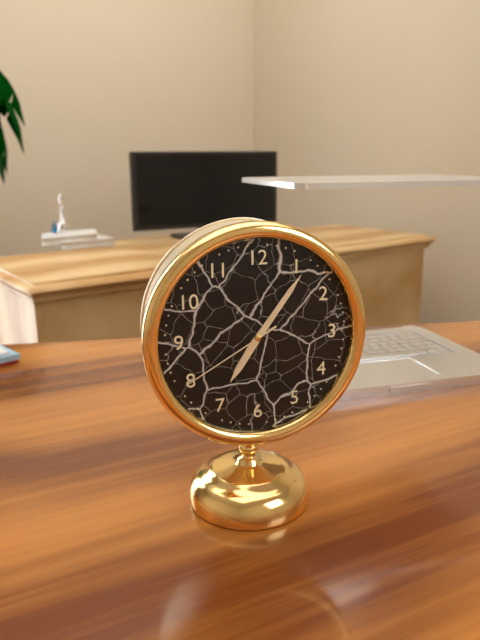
**7:06:40**
